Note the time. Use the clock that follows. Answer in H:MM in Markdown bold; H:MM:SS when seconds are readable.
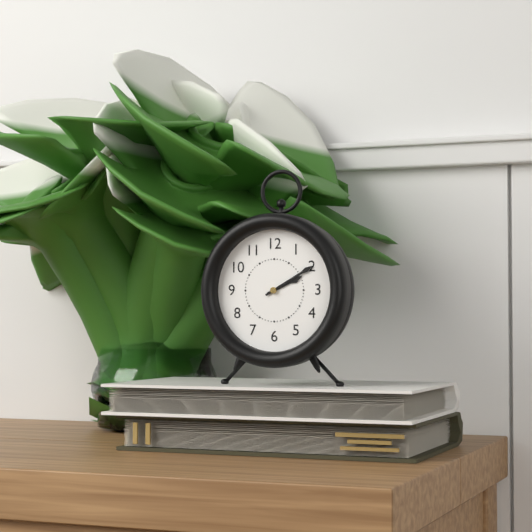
**2:10**
